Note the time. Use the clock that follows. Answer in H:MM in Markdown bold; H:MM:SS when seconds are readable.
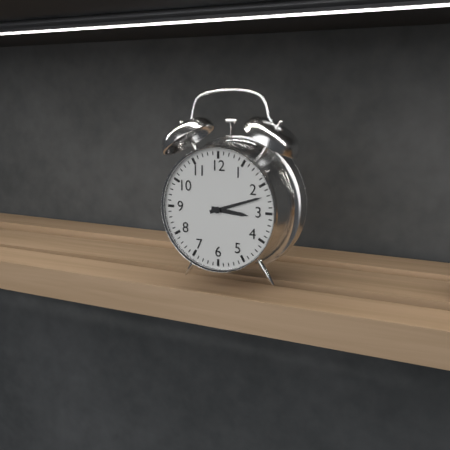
**3:12**
